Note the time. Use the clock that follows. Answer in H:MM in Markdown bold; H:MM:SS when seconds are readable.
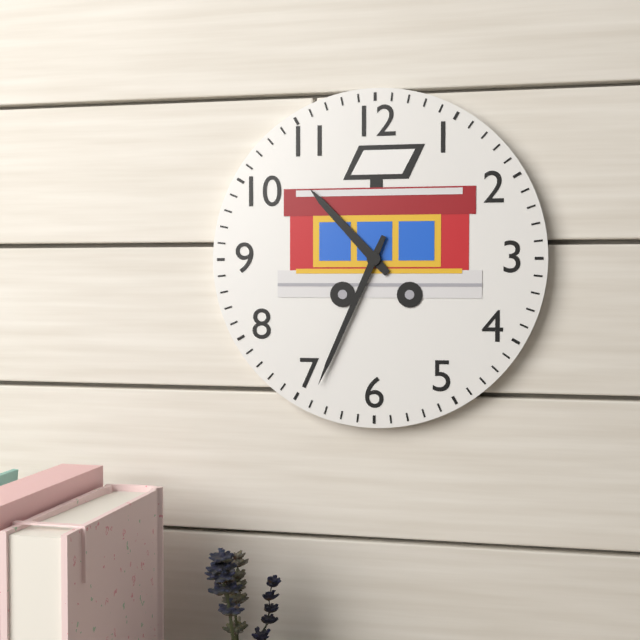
**10:34**
